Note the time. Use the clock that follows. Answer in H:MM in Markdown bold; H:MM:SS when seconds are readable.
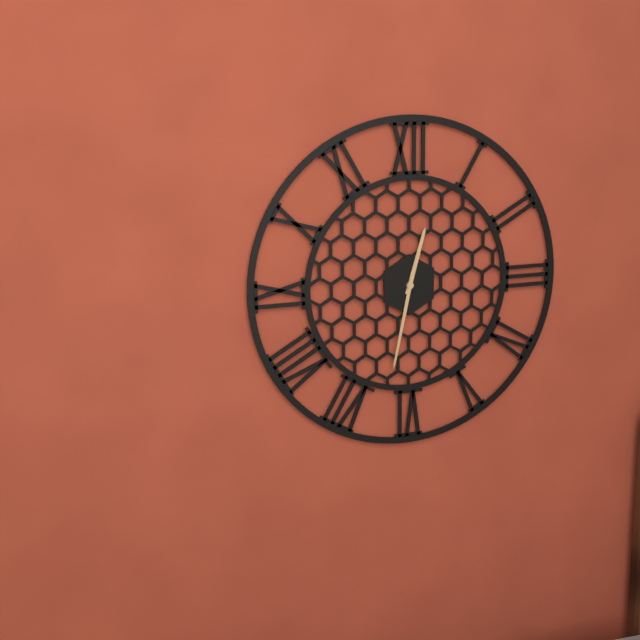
**12:32**
